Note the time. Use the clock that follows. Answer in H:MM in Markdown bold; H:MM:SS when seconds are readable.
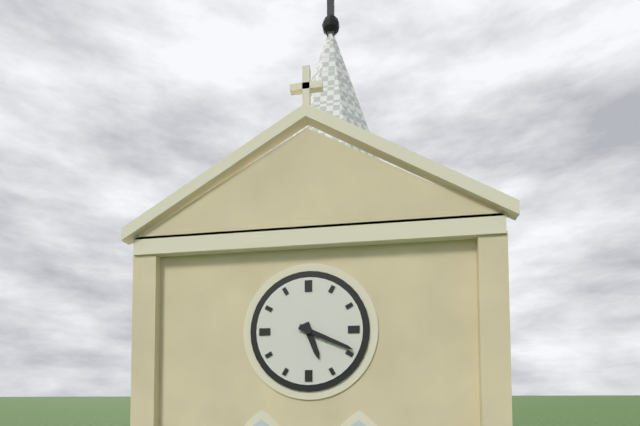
**5:19**
